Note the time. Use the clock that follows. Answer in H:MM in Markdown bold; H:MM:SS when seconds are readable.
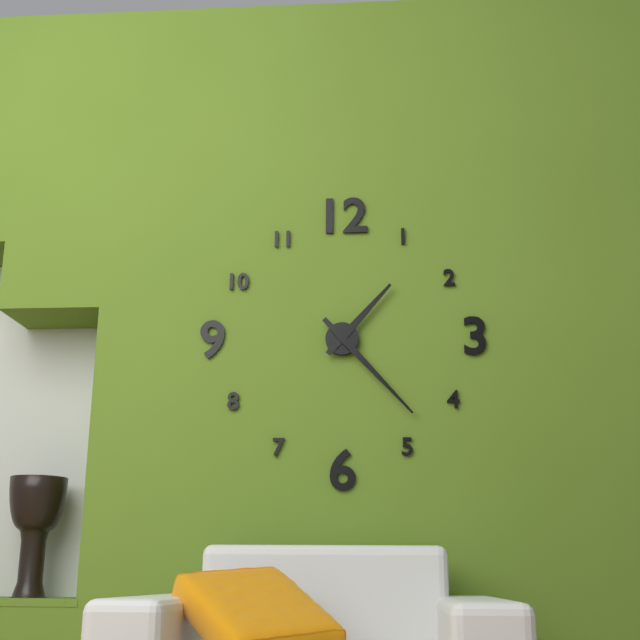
**1:23**
